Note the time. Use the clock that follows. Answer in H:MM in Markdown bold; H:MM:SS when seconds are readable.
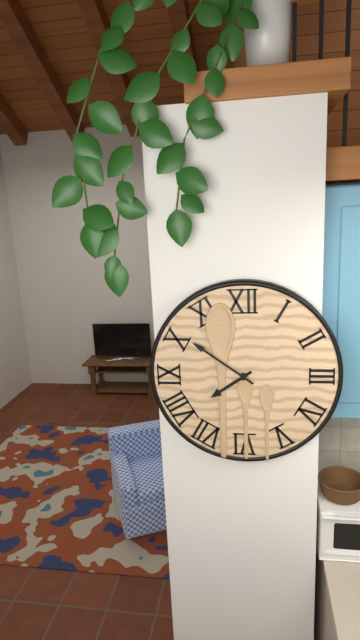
**7:51**
